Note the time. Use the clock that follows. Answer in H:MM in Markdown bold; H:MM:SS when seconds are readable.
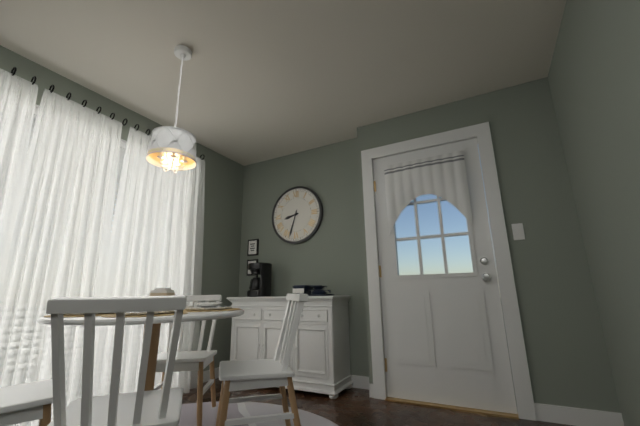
**8:33**
